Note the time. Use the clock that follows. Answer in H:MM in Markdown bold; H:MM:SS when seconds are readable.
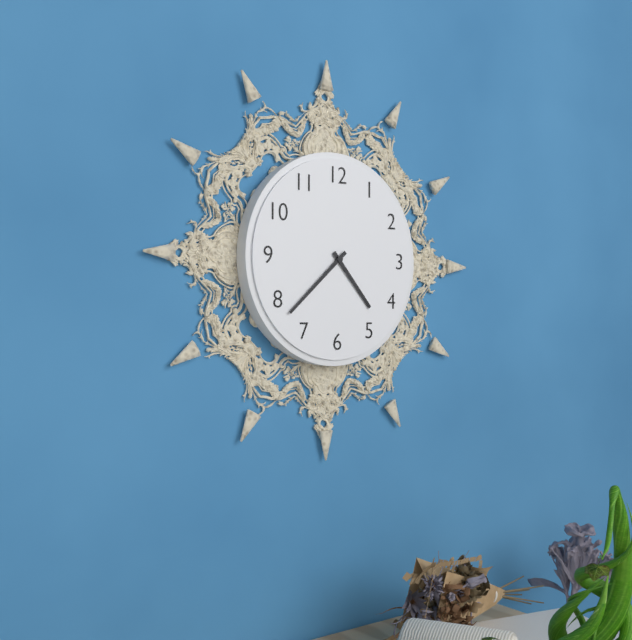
**4:38**
